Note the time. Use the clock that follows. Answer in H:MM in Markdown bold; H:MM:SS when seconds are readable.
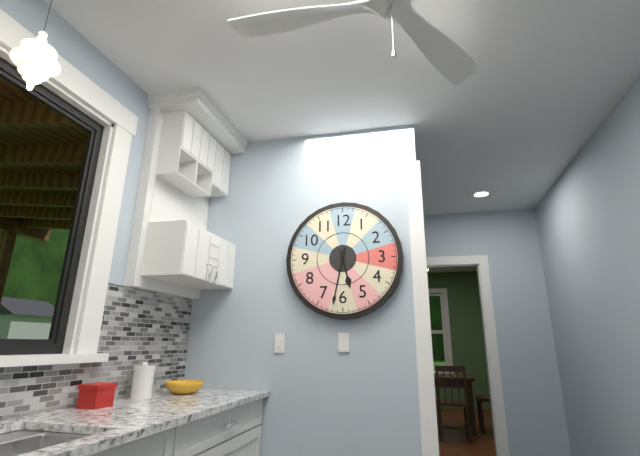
**5:32**
